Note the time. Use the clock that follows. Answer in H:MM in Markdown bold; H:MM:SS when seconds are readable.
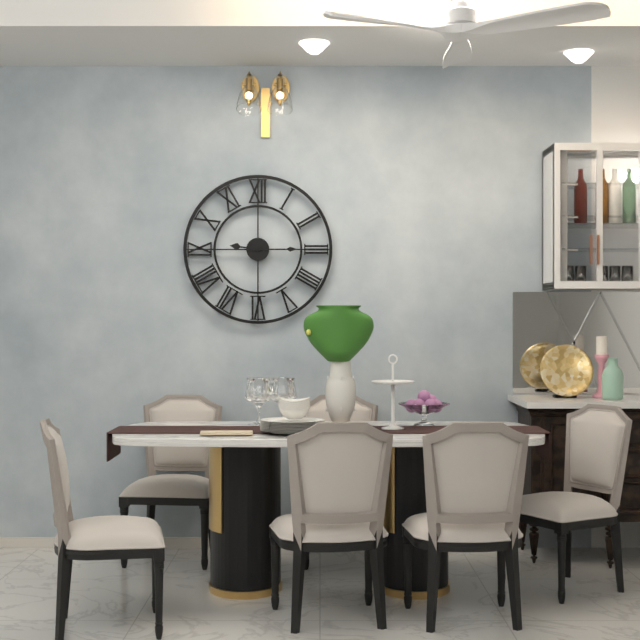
**9:15**
